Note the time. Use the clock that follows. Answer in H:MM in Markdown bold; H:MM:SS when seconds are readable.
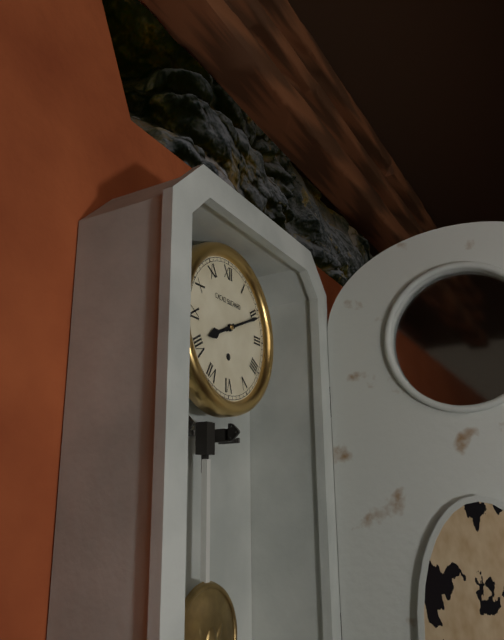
**8:11**
